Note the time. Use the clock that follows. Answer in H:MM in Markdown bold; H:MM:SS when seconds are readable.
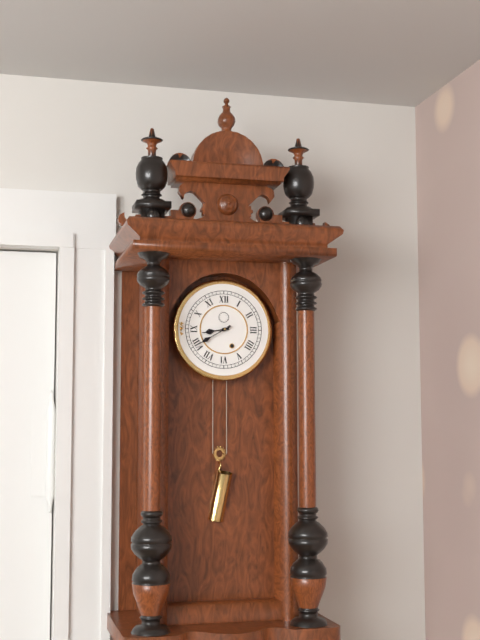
**8:40**
